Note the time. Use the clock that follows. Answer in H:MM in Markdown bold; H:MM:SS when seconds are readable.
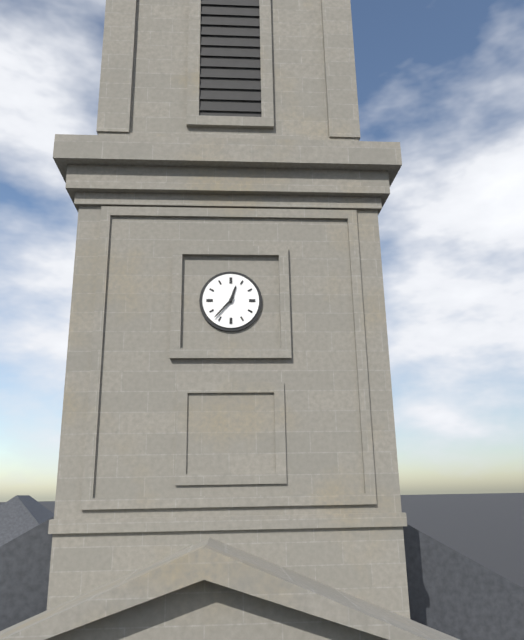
**12:37**
